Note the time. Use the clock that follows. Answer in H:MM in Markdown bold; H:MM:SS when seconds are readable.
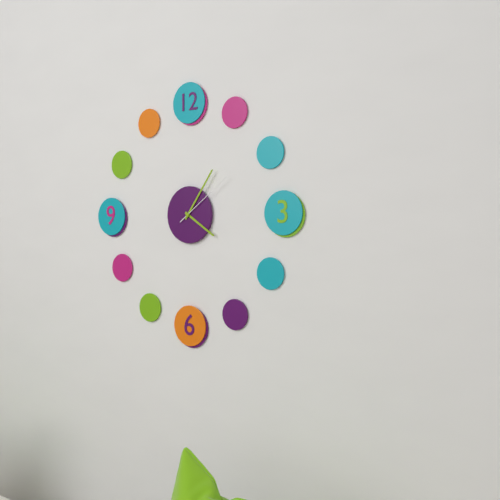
**4:06:09**
